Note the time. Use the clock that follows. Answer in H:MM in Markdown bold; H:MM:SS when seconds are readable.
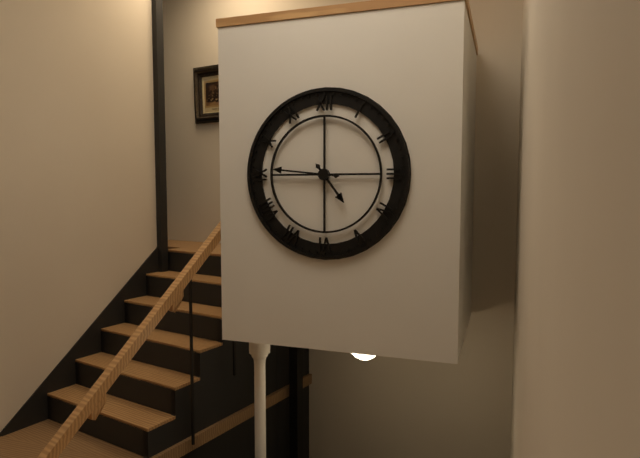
**4:46**
